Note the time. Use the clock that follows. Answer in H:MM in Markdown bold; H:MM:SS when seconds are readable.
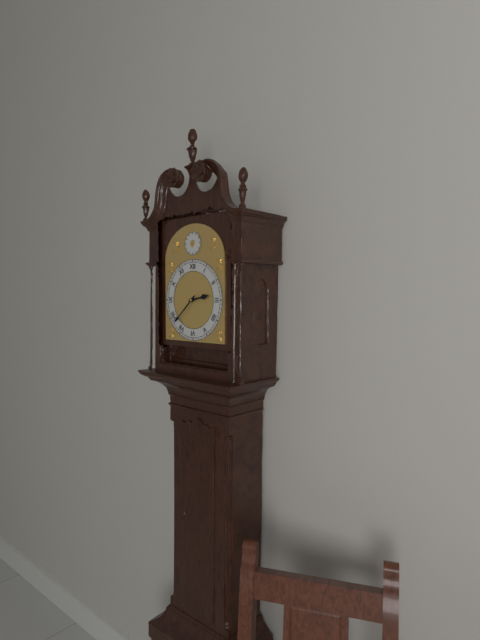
**2:38**
